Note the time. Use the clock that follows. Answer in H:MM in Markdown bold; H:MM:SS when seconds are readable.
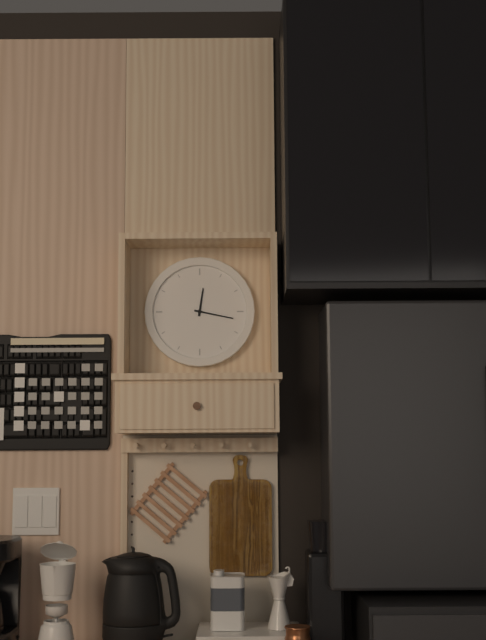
**12:17**
